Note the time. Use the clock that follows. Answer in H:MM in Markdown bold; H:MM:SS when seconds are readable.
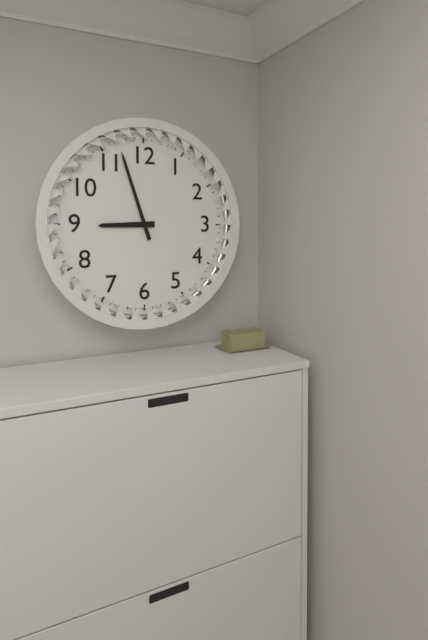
**8:57**
